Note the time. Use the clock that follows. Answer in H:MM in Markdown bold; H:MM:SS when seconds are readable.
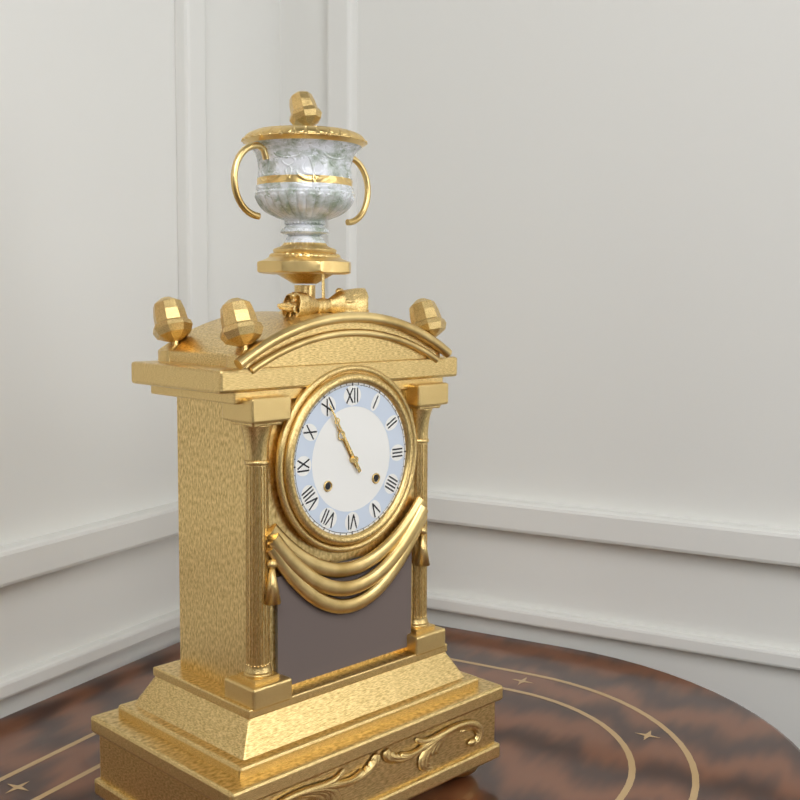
**10:55**
